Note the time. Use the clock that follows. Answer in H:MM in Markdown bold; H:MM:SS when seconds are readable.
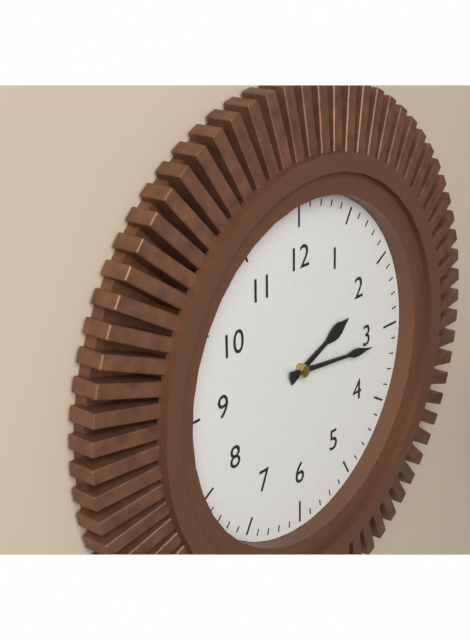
**2:16**
